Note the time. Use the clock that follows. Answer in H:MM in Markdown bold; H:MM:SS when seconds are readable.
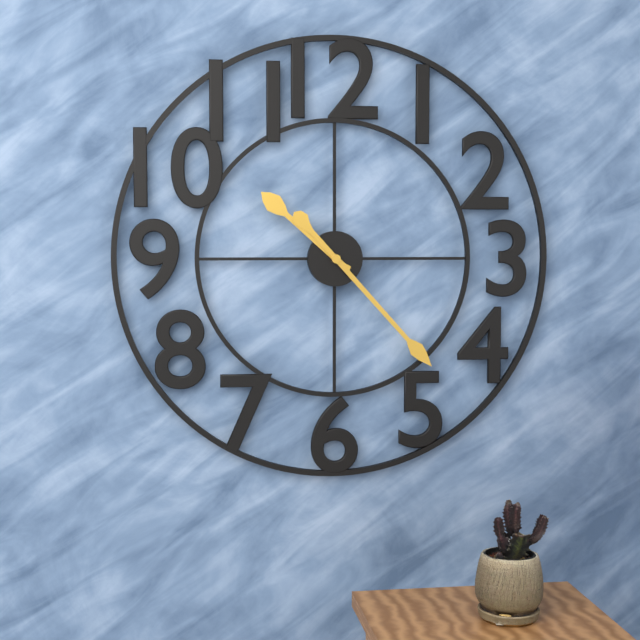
**10:23**
